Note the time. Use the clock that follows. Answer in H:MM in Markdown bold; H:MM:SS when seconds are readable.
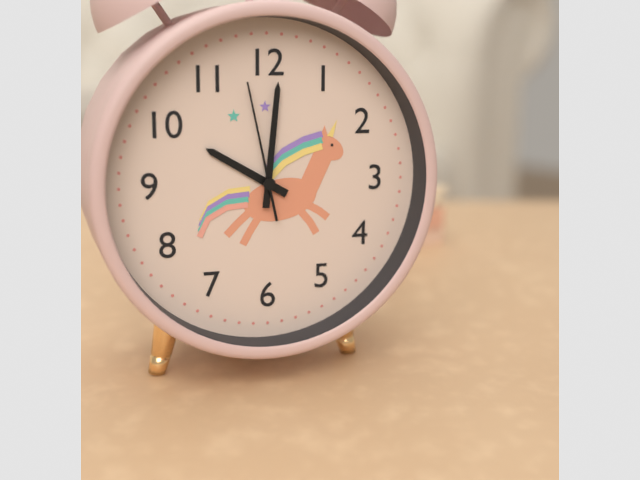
**10:01:58**
